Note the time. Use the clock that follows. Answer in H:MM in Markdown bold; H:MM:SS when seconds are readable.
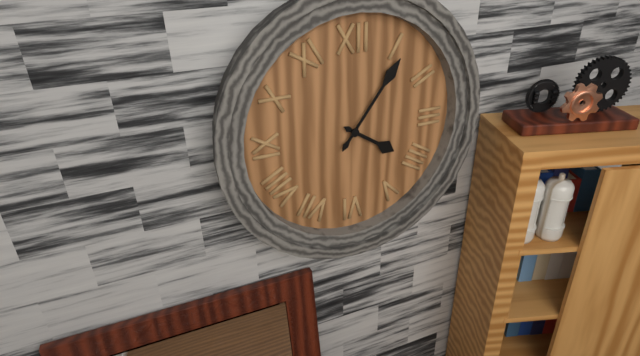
**4:06**
